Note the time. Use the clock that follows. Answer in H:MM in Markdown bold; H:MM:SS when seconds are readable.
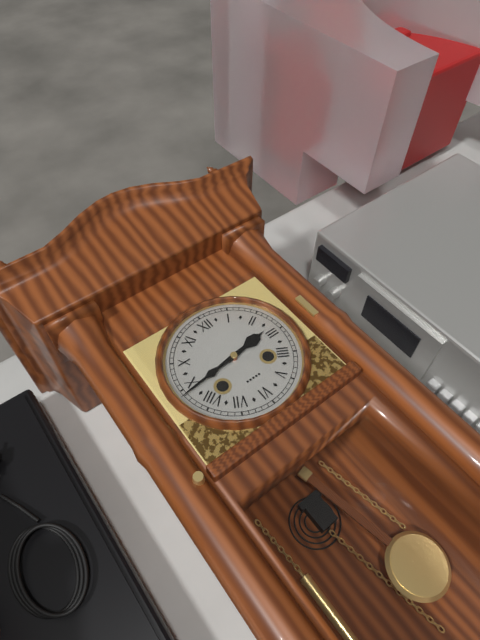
**2:44**
